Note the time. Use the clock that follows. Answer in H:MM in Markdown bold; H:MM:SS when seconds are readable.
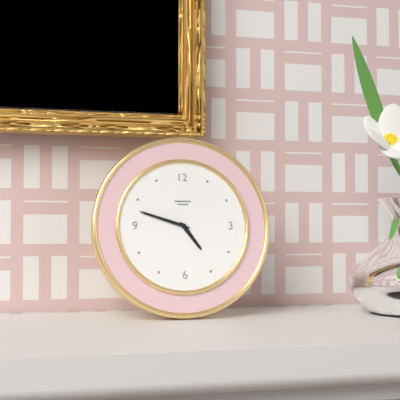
**4:48**
